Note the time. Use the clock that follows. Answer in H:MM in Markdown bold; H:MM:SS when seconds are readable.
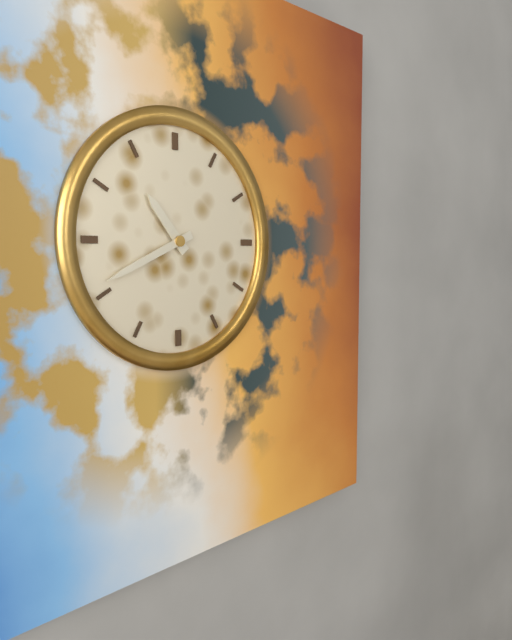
**10:41**
